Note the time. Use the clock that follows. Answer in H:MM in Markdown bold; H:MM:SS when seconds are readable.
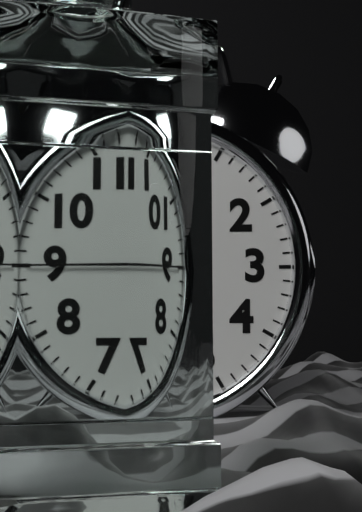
**12:28:45**
